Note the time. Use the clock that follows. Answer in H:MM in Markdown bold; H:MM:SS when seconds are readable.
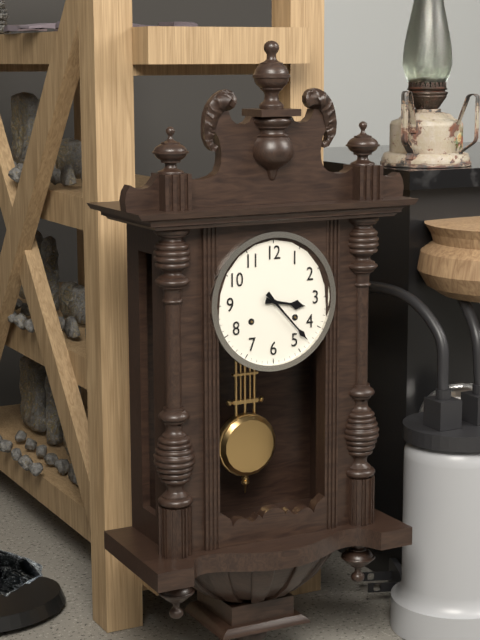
**3:23**
